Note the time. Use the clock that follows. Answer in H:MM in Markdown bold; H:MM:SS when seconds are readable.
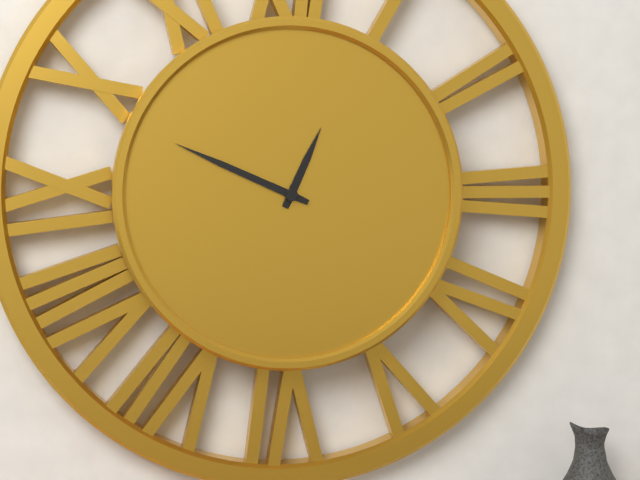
**12:49**
